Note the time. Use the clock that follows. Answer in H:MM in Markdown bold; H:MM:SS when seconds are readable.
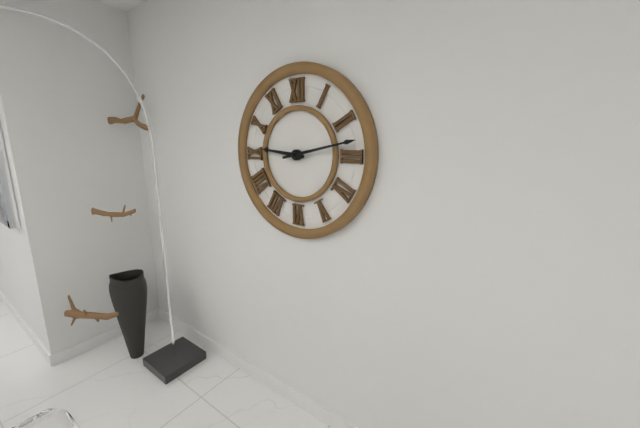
**9:13**
